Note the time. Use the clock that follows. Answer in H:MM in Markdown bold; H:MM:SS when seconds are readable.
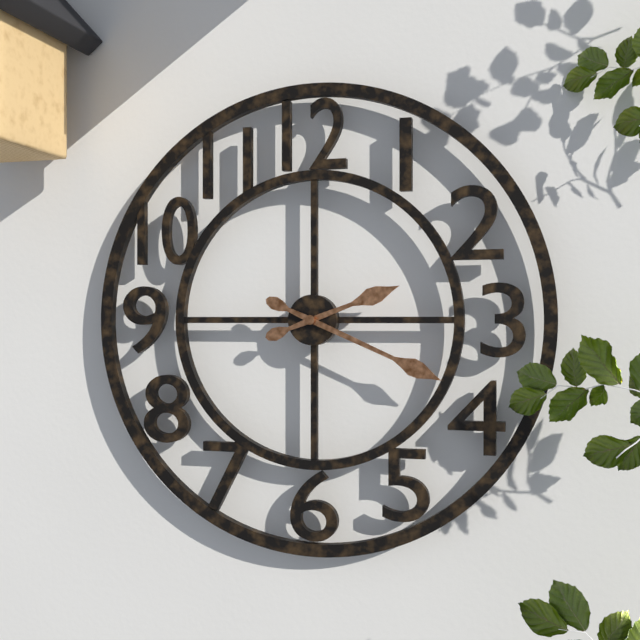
**2:19**
